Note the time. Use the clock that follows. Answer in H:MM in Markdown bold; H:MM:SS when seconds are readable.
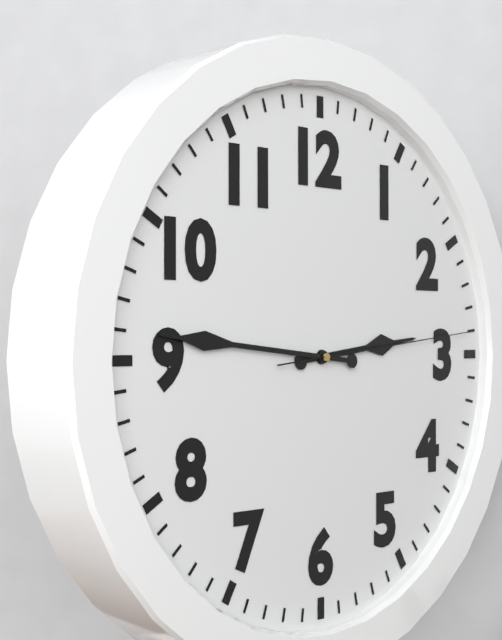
**2:46:14**
